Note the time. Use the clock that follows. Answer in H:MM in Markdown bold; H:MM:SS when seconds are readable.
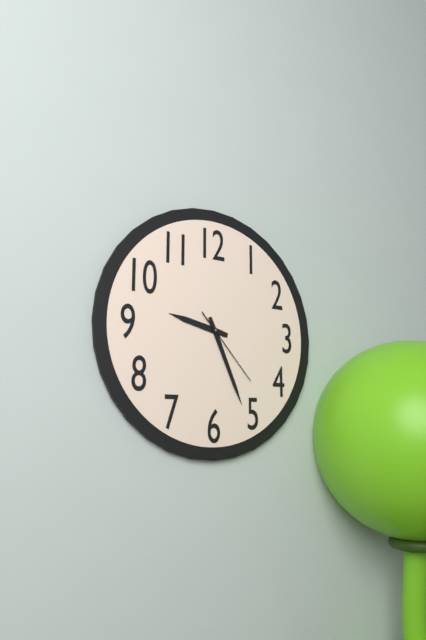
**9:26:23**
